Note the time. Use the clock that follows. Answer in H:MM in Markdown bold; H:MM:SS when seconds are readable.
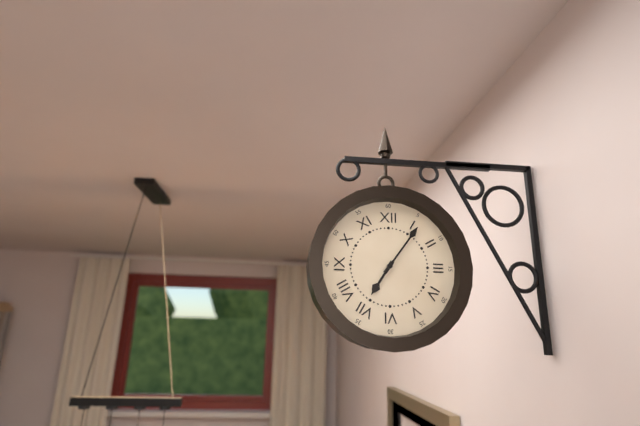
**7:06**
